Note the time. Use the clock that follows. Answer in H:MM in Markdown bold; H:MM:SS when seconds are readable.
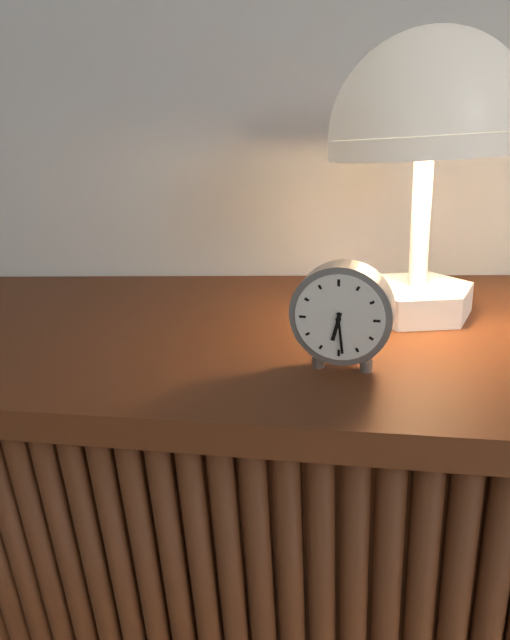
**6:29**
